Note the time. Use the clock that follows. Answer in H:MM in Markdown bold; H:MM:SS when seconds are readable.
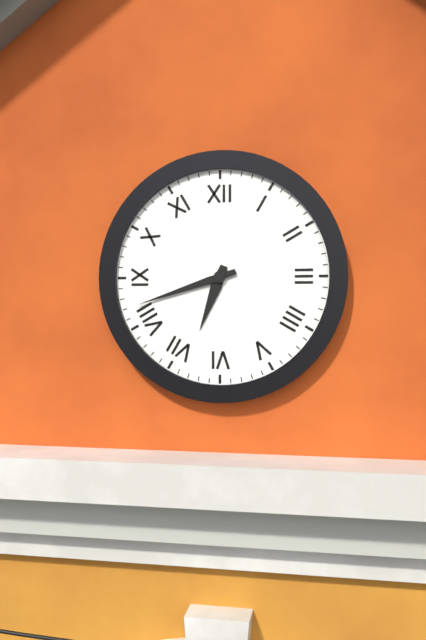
**6:42**
